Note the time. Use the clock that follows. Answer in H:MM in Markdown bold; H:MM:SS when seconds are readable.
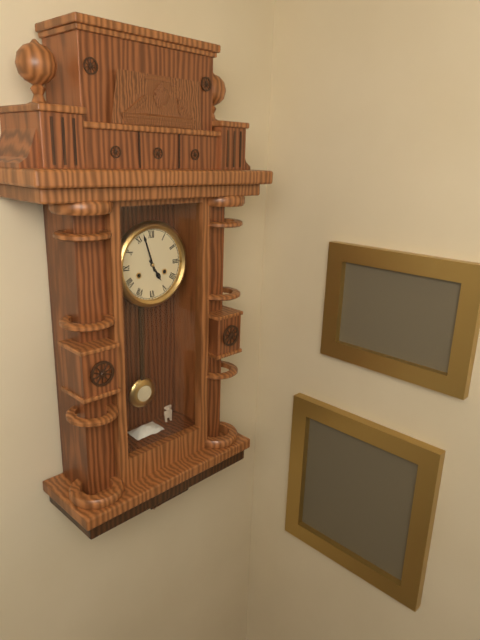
**4:57**
